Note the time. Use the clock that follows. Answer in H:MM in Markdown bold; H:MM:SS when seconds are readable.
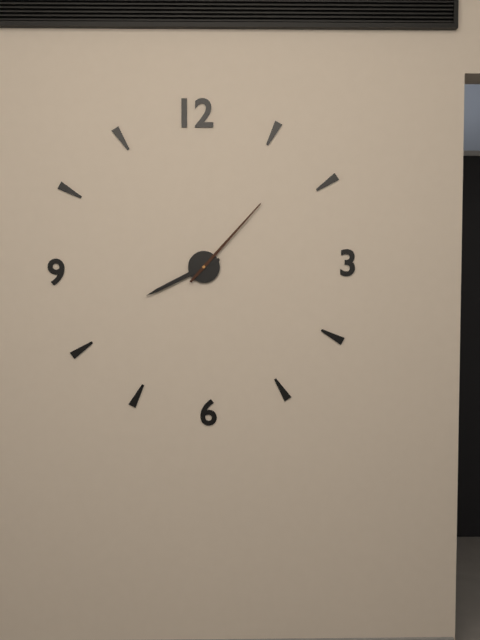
**8:07**
